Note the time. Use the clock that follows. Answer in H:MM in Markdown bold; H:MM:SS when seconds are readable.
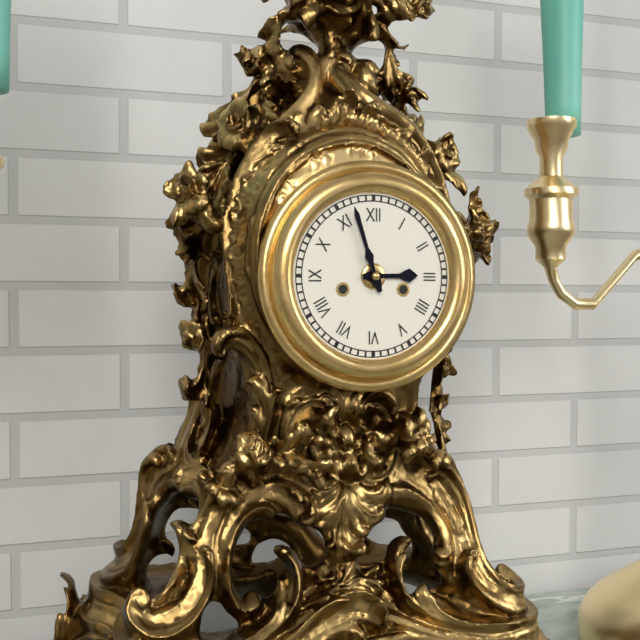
**2:57**
